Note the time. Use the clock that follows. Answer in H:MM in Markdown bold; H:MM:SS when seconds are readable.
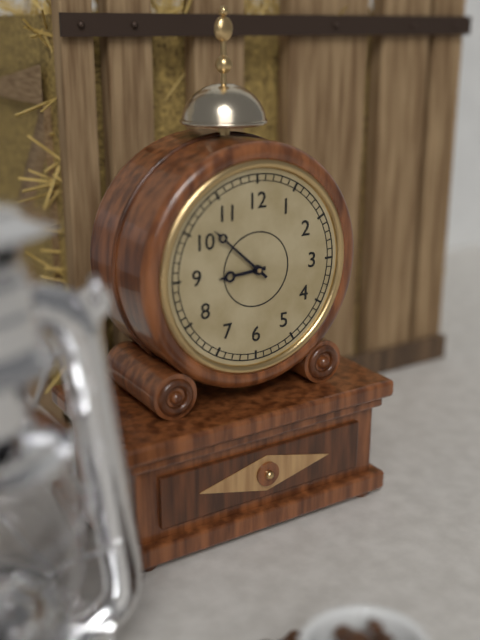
**8:52**
